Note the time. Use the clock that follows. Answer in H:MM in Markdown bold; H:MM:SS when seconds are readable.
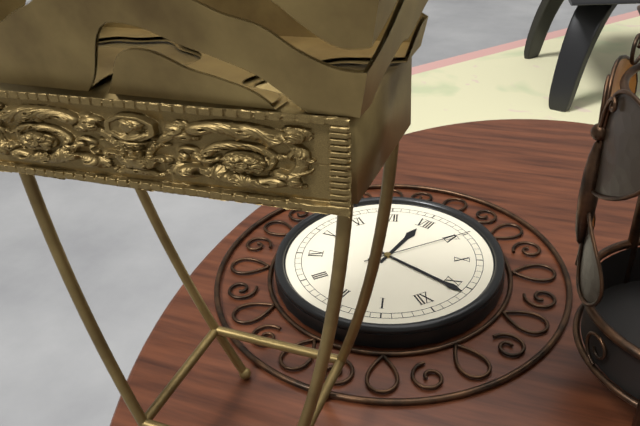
**7:56:45**
